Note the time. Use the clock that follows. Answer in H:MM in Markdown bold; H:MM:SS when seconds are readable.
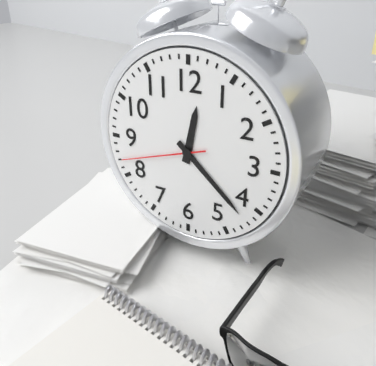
**12:22:42**
